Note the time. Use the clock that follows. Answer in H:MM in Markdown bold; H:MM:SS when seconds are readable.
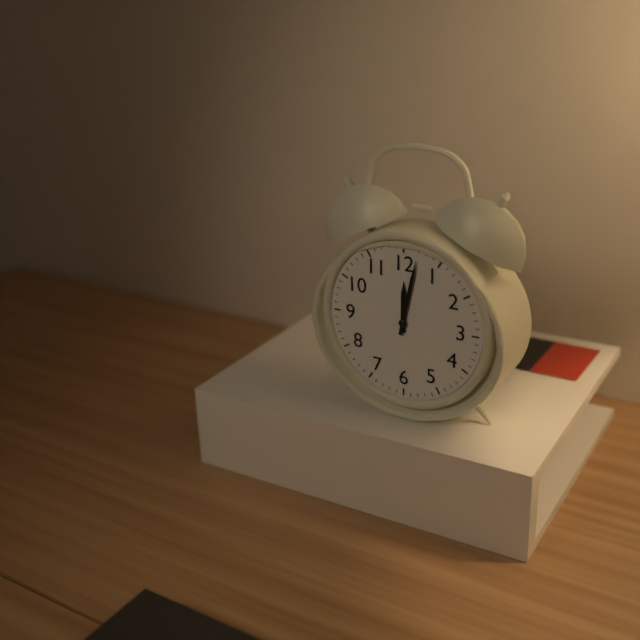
**12:02**
